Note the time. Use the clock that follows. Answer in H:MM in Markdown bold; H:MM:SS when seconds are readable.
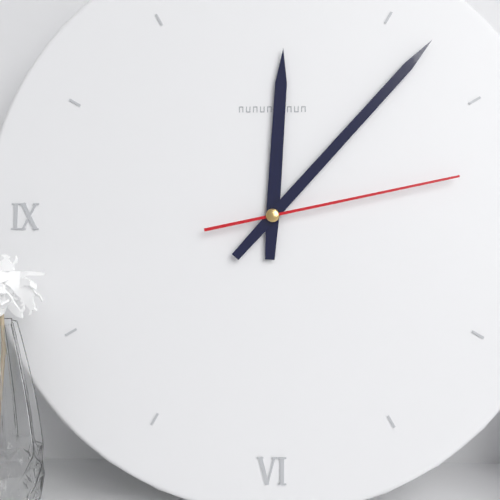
**12:07:13**
